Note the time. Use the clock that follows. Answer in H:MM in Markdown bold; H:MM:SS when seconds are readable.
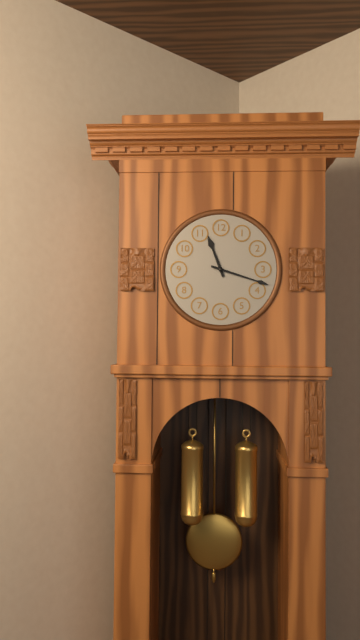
**11:18**
